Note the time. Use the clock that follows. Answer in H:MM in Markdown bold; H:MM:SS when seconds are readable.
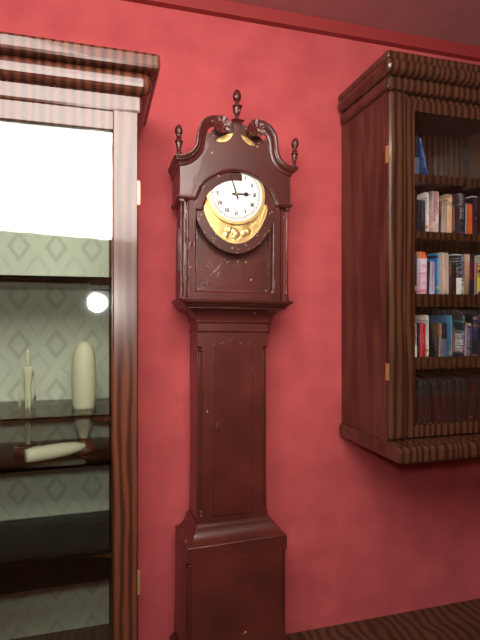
**2:57**
